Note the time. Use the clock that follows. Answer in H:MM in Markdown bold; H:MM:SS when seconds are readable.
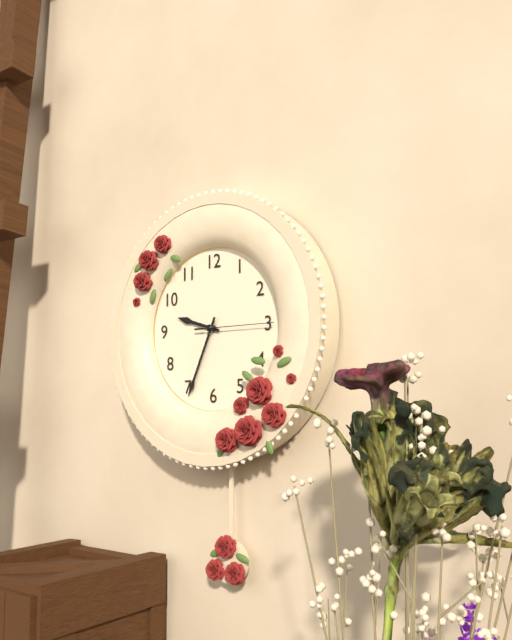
**9:34:15**
